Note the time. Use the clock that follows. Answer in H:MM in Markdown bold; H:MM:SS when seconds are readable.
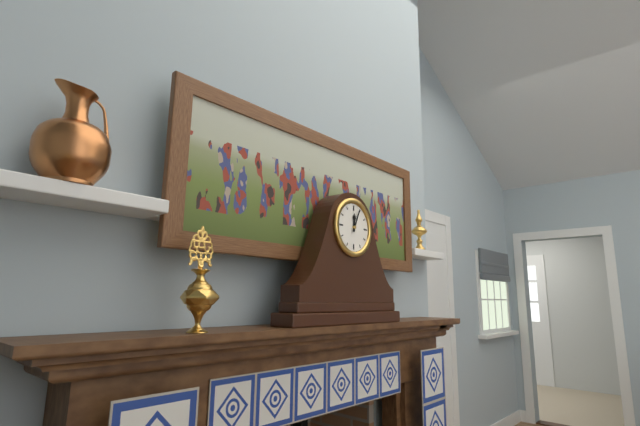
**12:04**
